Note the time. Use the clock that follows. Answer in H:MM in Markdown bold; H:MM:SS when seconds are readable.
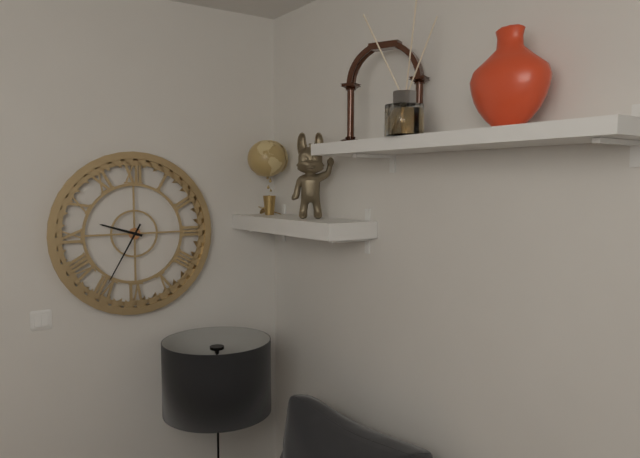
**9:35**
